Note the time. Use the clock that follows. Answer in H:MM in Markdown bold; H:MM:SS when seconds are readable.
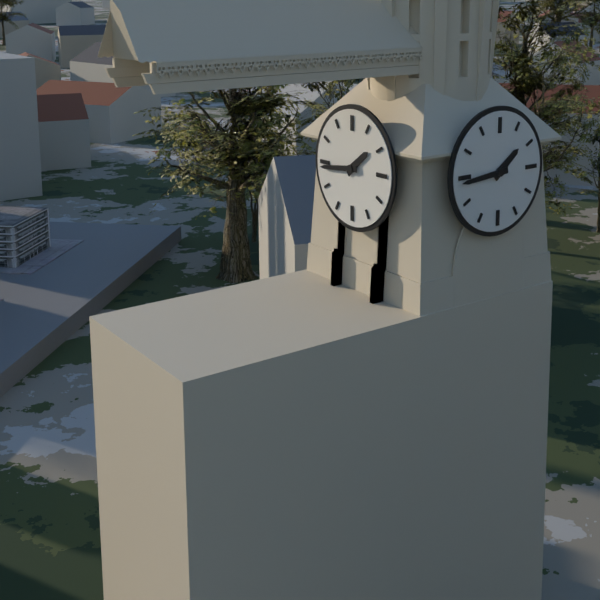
**1:44**
